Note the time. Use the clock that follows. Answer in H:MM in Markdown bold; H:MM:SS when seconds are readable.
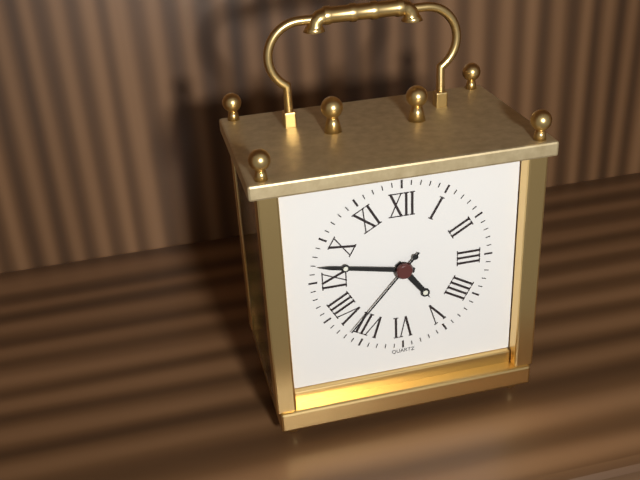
**4:47:37**
